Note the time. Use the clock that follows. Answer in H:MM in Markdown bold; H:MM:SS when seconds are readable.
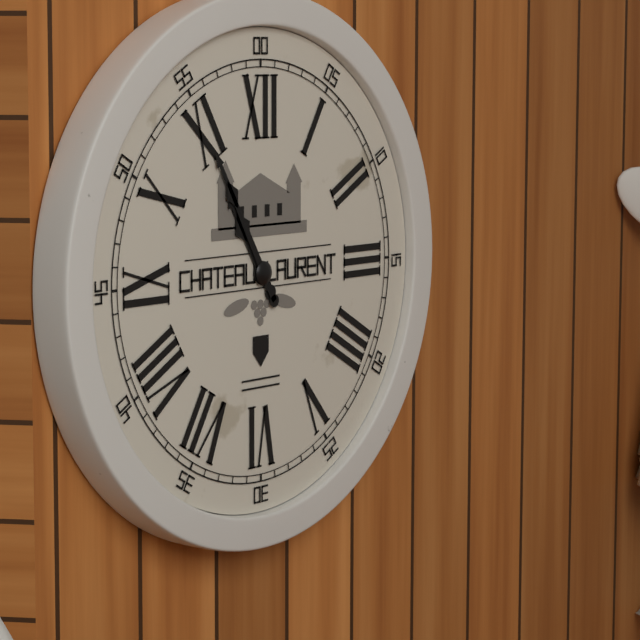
**10:55**
